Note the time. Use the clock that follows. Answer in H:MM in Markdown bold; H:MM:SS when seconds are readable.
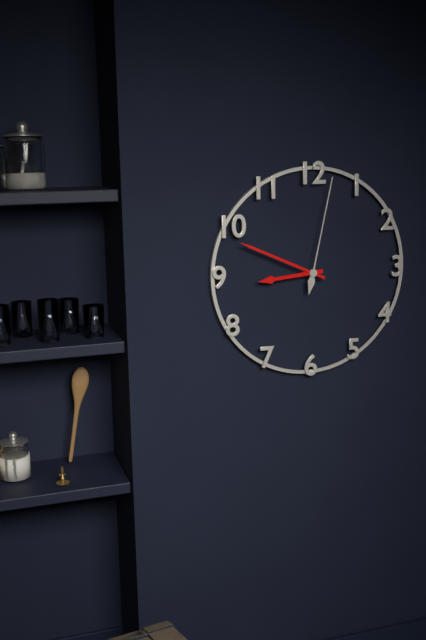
**8:49:02**
